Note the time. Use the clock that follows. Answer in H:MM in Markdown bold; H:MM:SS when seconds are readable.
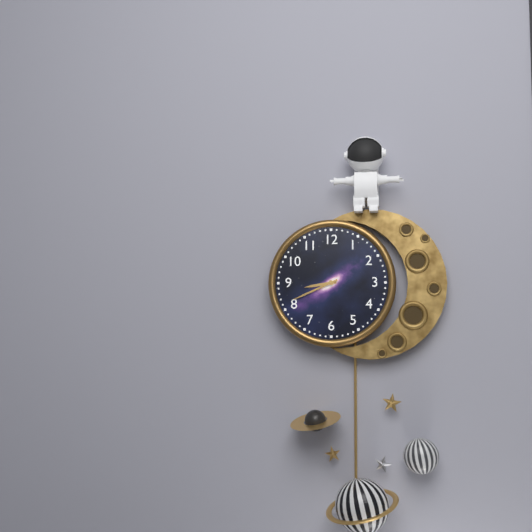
**8:41**
